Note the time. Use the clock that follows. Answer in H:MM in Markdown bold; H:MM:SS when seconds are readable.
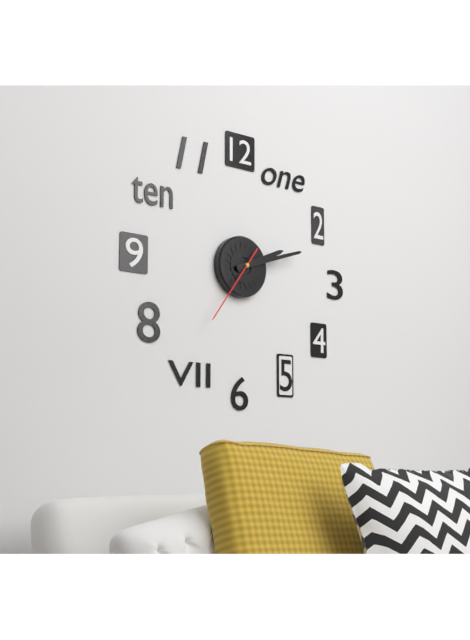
**2:12:36**
